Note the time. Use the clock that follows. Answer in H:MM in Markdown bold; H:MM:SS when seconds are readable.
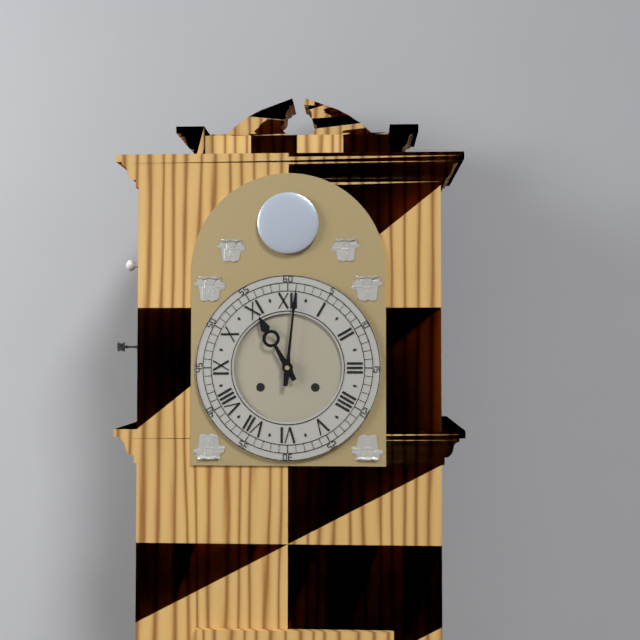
**11:01**
